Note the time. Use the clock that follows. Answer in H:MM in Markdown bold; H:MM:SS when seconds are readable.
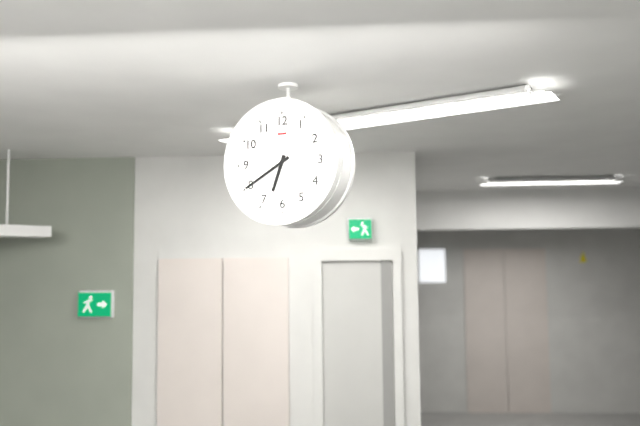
**6:40**
